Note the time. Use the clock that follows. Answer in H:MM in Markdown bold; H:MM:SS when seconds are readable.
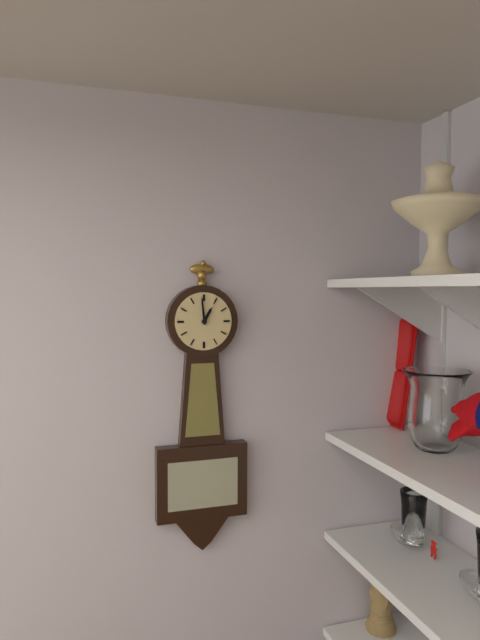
**12:59**
